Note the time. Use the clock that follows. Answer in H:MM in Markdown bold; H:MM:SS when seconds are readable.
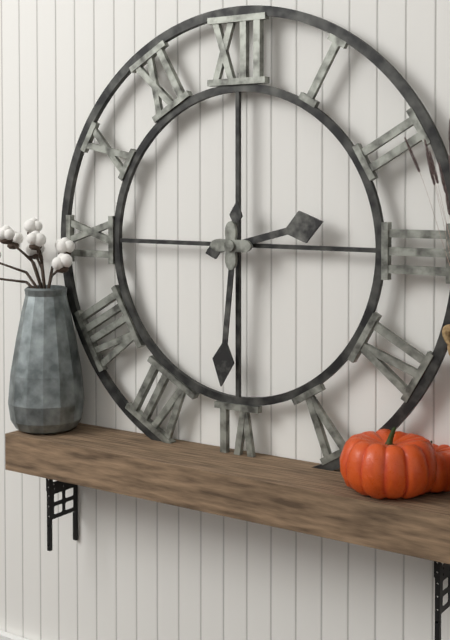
**2:31**
